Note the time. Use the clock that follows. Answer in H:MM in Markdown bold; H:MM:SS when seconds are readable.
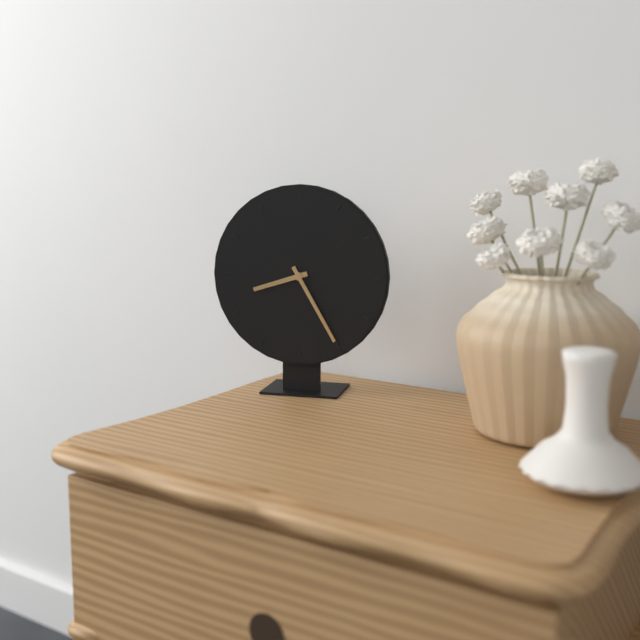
**8:25**
